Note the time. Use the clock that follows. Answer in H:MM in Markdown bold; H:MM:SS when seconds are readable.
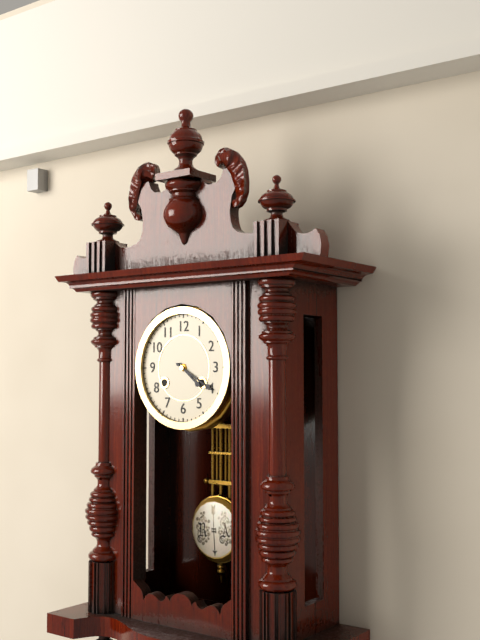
**4:20**
